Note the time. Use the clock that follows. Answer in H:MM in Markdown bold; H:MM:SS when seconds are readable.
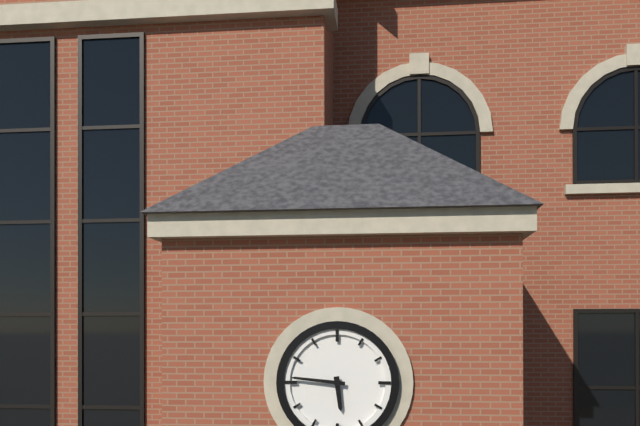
**5:46**
